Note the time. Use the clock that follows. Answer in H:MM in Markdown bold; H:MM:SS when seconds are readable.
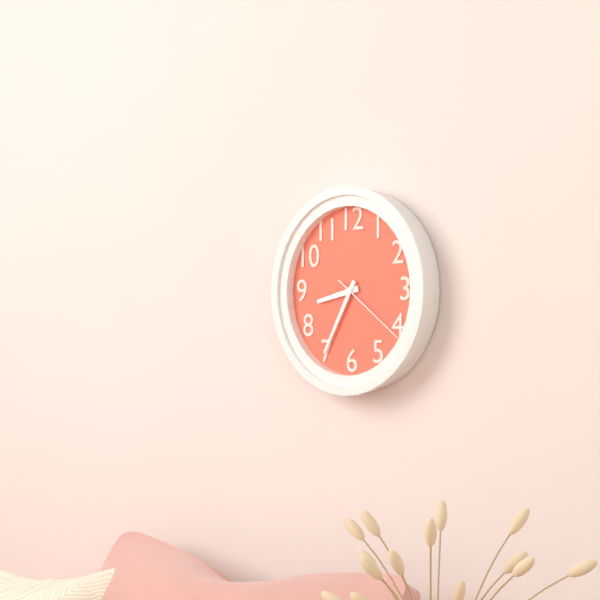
**8:35:21**
